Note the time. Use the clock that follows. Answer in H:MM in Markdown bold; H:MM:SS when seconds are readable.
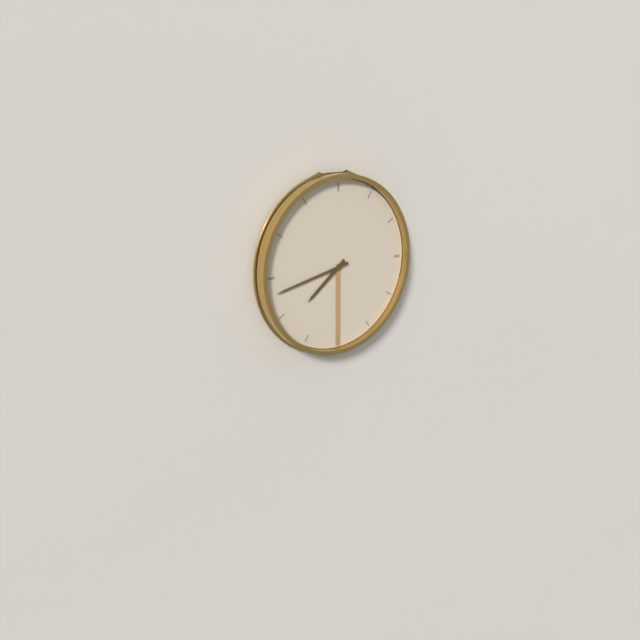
**7:43**
